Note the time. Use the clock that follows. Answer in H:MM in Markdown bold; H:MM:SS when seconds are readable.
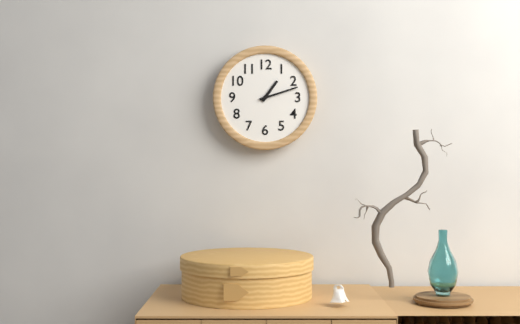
**1:12**
